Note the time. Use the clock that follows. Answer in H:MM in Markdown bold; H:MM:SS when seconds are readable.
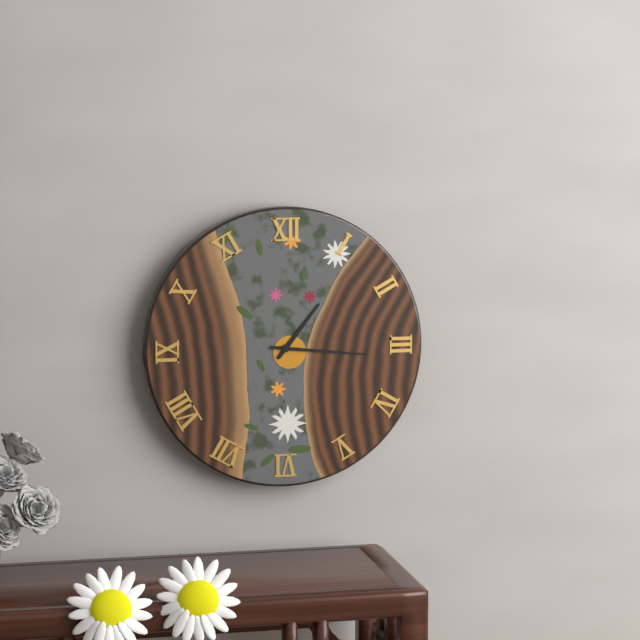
**1:16**
